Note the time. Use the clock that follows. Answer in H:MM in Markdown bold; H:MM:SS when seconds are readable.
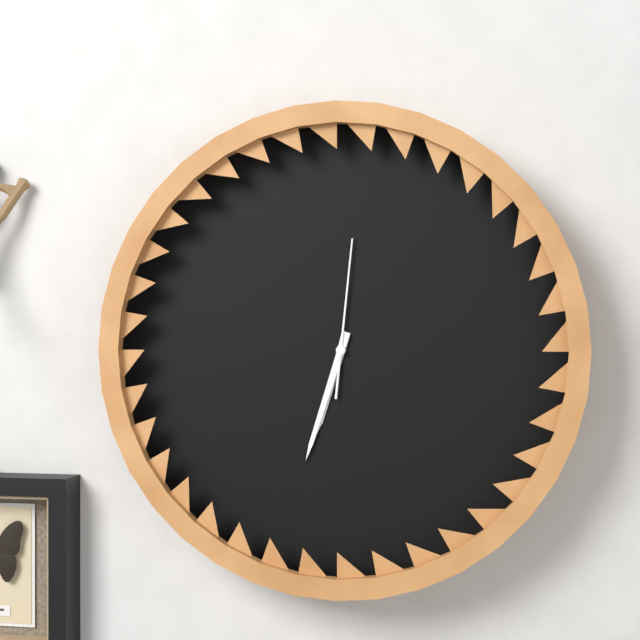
**6:33:01**
